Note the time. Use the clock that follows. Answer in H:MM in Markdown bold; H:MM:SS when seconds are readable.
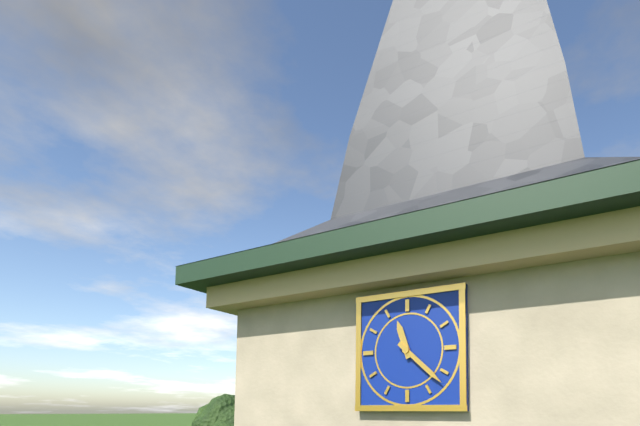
**11:22**
